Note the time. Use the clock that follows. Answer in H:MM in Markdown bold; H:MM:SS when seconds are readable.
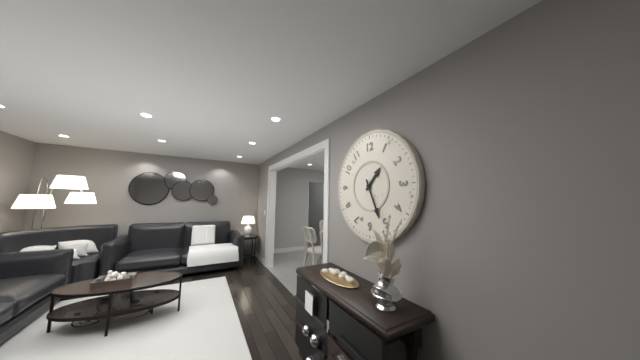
**1:26**
